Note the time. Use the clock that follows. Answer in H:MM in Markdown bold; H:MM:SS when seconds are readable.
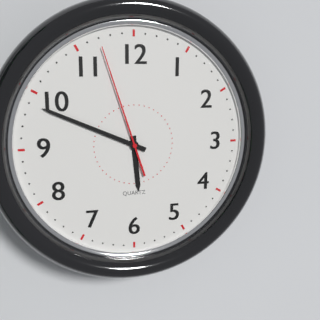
**5:49:57**
